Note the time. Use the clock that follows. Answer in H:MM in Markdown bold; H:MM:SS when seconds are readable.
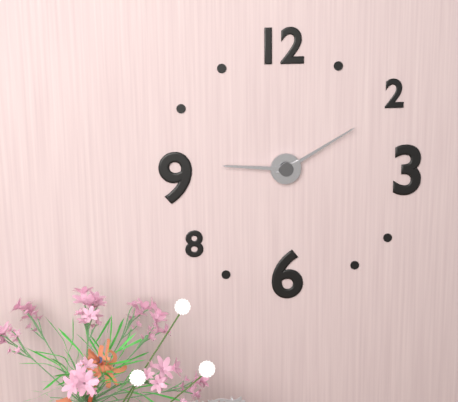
**9:10**
